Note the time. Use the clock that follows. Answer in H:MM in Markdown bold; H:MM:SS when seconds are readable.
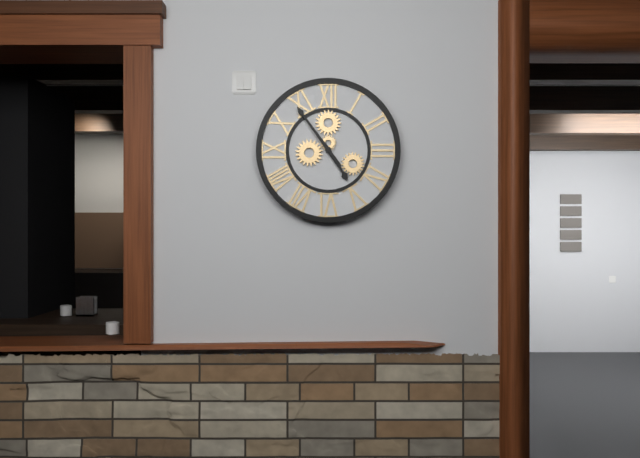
**4:54**
